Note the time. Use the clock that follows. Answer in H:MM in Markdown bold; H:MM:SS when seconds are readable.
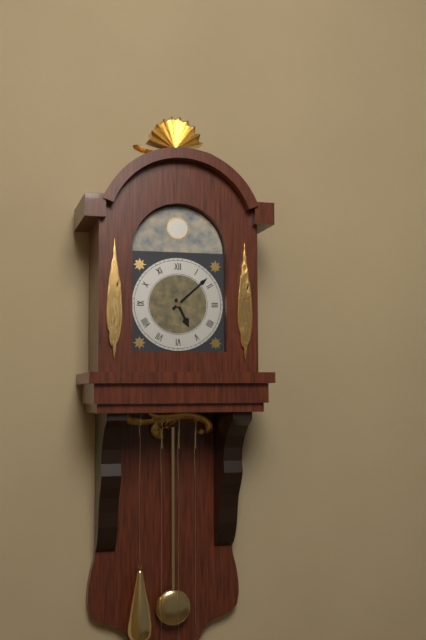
**5:08**
